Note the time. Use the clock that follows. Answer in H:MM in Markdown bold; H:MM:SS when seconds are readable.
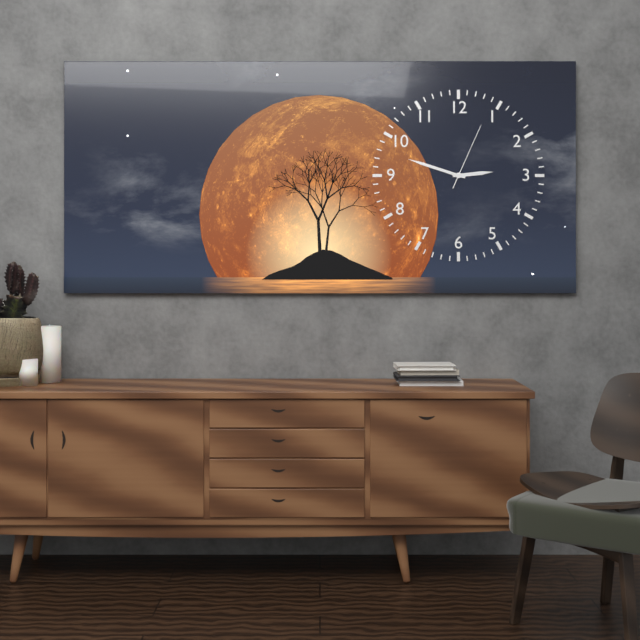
**2:48:04**
